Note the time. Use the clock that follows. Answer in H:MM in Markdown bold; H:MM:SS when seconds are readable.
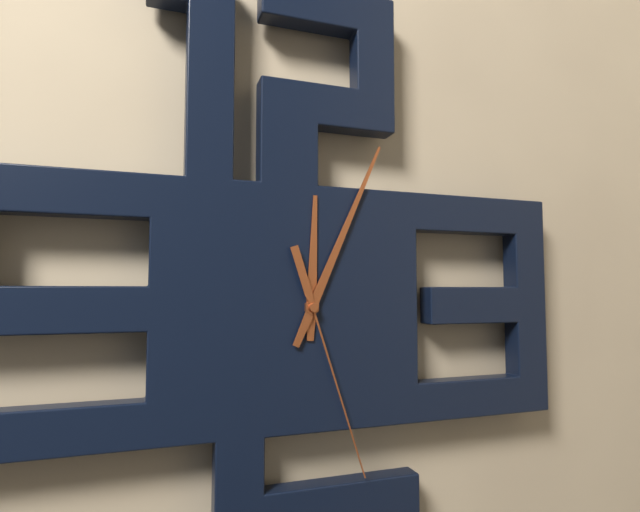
**12:04:27**
